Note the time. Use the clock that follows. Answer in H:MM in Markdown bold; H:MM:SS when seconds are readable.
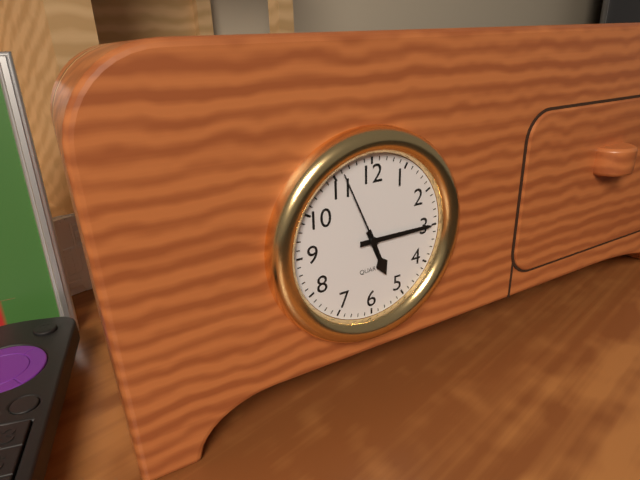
**5:15:56**
